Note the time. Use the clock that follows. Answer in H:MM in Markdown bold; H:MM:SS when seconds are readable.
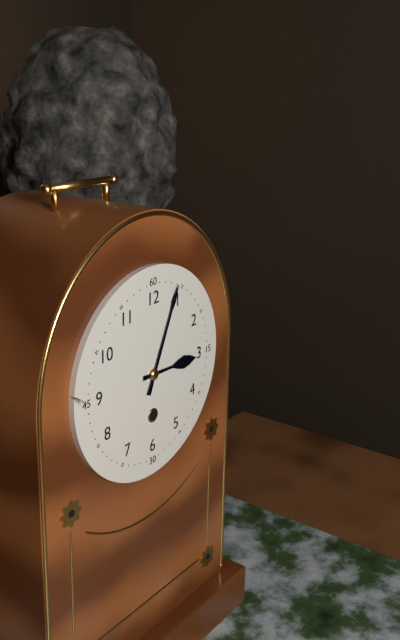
**3:04**
